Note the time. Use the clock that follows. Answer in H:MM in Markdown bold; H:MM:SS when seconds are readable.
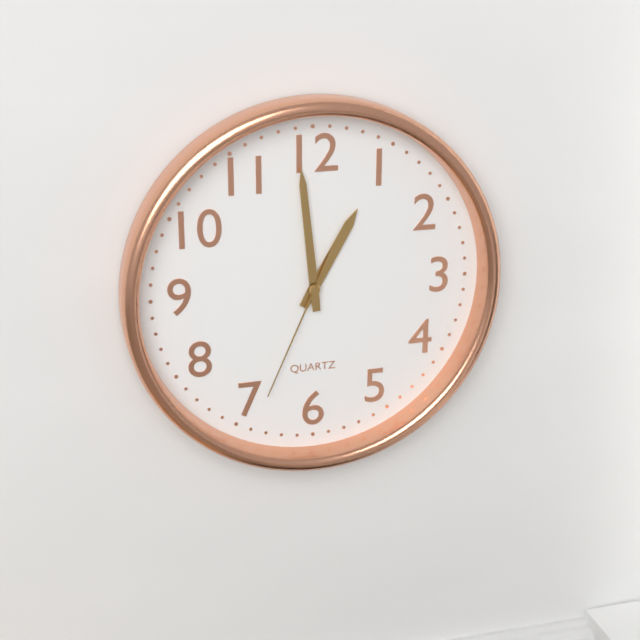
**12:59:34**
